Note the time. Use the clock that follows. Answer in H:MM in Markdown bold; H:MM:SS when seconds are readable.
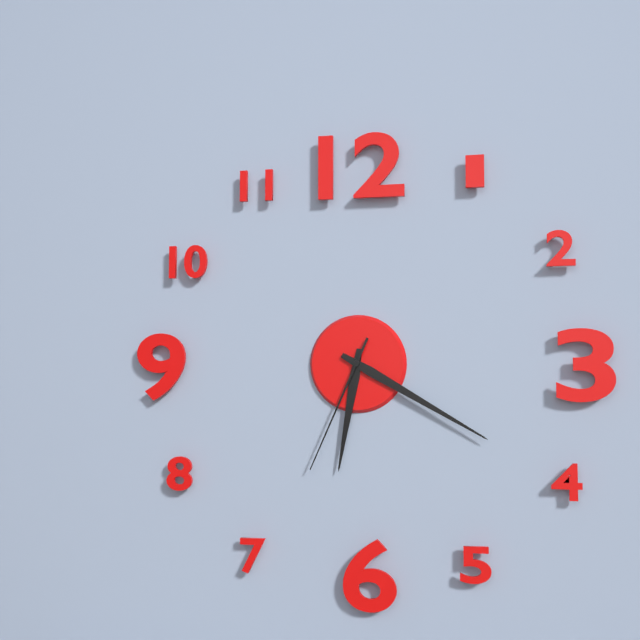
**6:20:34**
